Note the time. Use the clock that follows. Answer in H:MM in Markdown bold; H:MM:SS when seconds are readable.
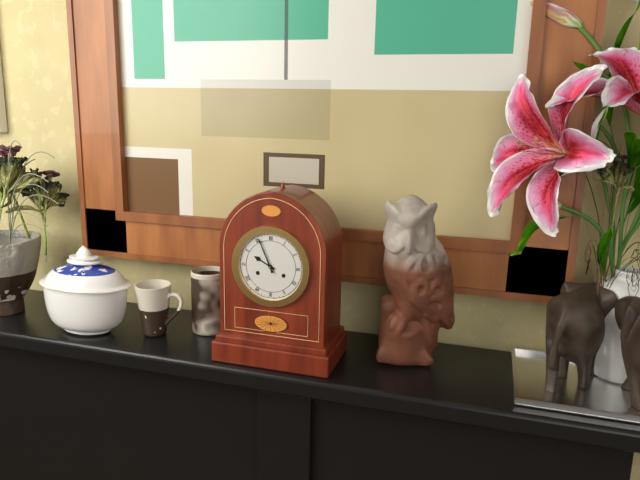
**9:56**
